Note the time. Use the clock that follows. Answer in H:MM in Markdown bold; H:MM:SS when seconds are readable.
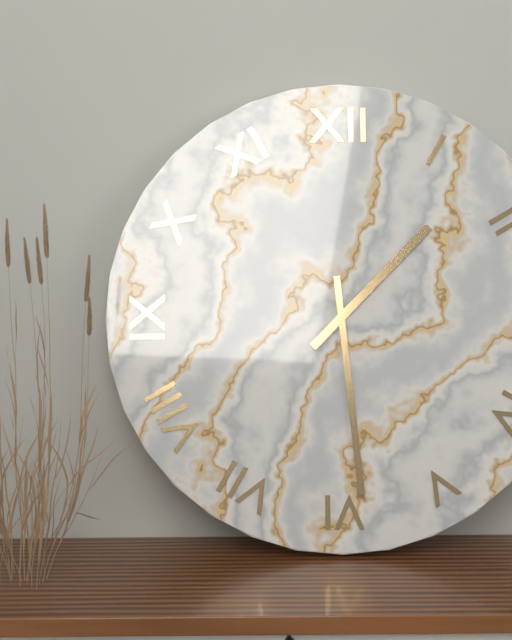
**1:29**
